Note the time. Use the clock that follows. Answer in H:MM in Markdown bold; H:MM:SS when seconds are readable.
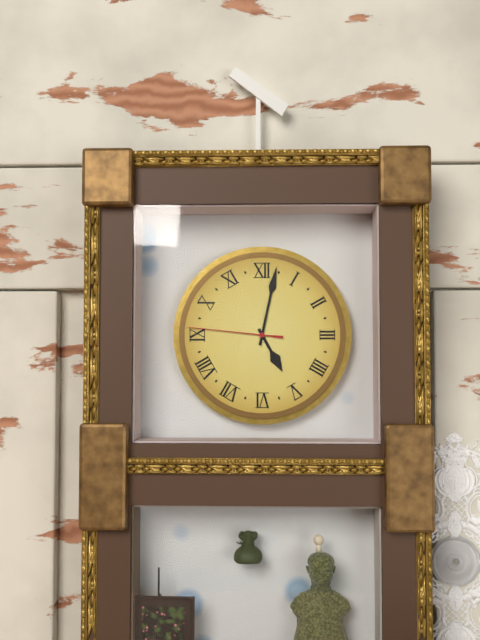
**5:02:46**
